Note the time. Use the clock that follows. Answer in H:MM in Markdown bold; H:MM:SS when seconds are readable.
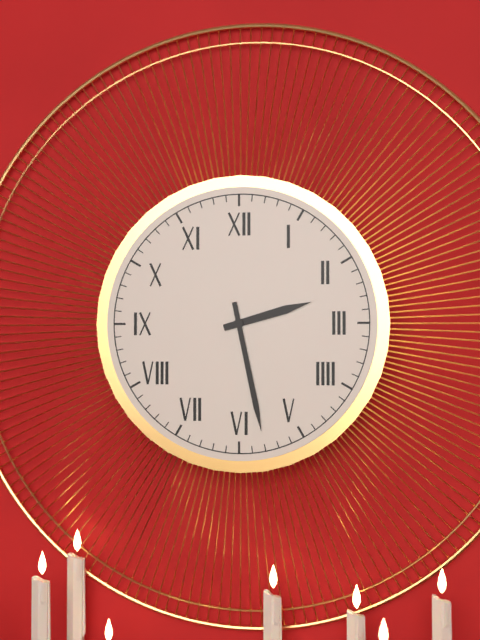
**2:28**
